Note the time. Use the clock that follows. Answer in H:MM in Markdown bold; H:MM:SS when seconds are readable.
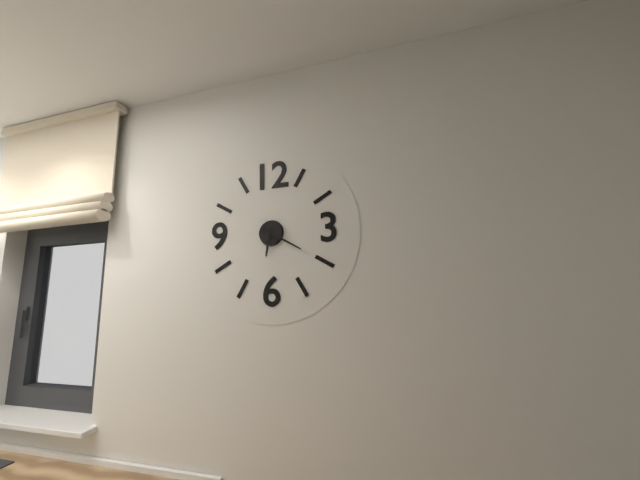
**6:20**
